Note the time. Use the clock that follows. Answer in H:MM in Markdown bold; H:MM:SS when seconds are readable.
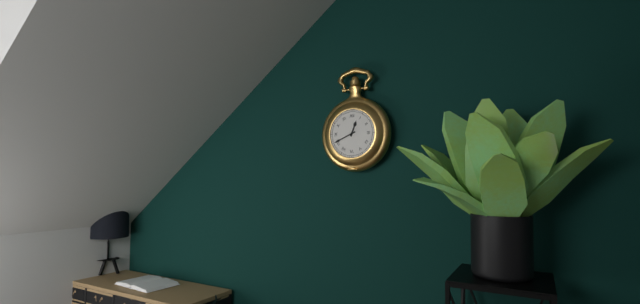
**12:41**
